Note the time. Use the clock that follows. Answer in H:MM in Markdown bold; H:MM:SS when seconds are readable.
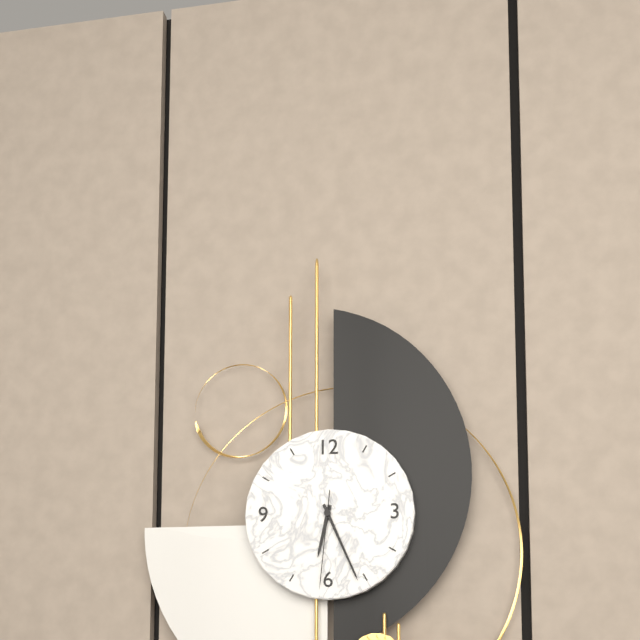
**6:26:31**
